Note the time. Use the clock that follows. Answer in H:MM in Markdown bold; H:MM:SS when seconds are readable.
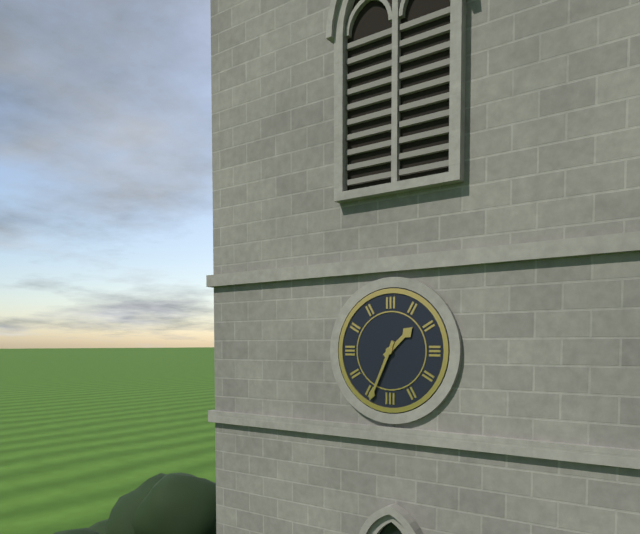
**1:34**
